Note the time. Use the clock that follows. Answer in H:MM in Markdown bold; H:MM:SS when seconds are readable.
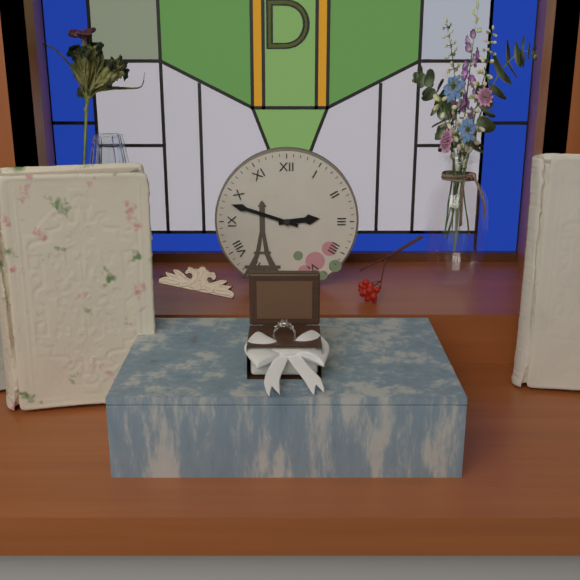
**2:48**
